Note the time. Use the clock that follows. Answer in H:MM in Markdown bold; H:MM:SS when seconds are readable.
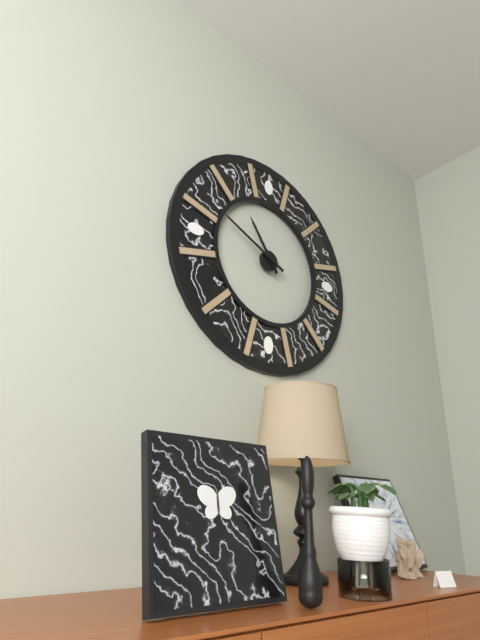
**10:49**
